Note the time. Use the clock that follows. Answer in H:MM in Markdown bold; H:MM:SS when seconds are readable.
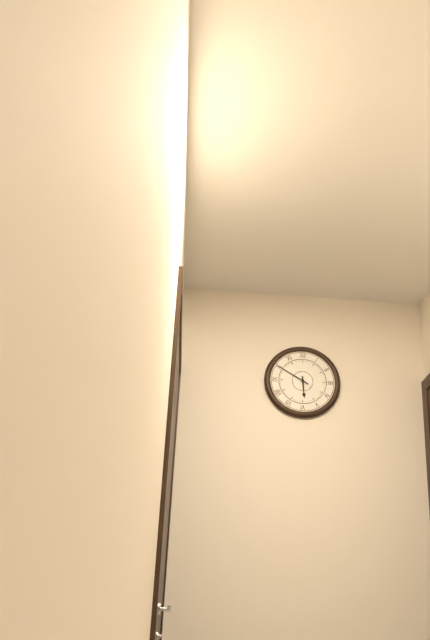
**5:50**
